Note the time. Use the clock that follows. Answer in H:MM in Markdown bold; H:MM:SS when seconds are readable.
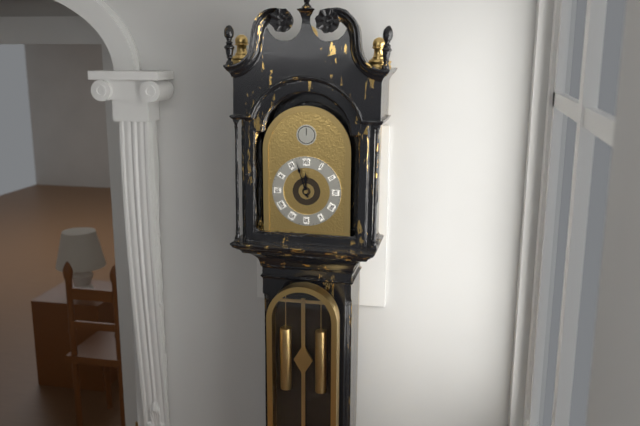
**11:57**
